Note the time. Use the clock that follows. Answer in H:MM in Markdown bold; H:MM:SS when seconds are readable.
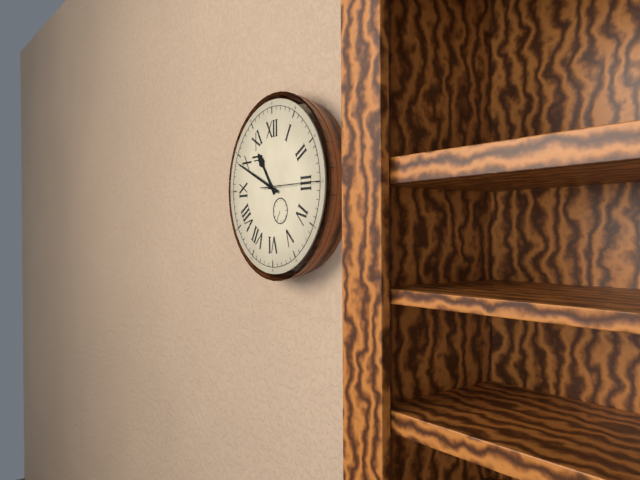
**10:49:15**
